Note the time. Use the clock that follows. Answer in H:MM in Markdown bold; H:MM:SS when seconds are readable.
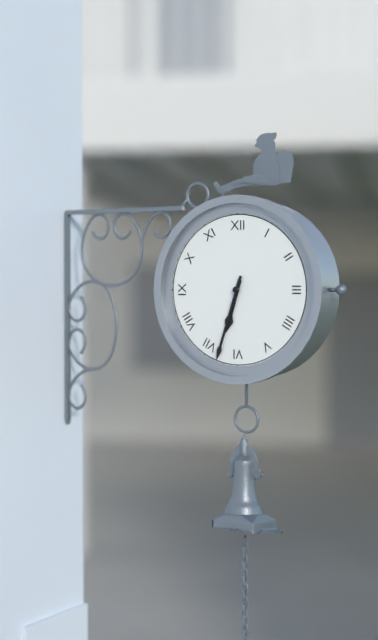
**6:33**
